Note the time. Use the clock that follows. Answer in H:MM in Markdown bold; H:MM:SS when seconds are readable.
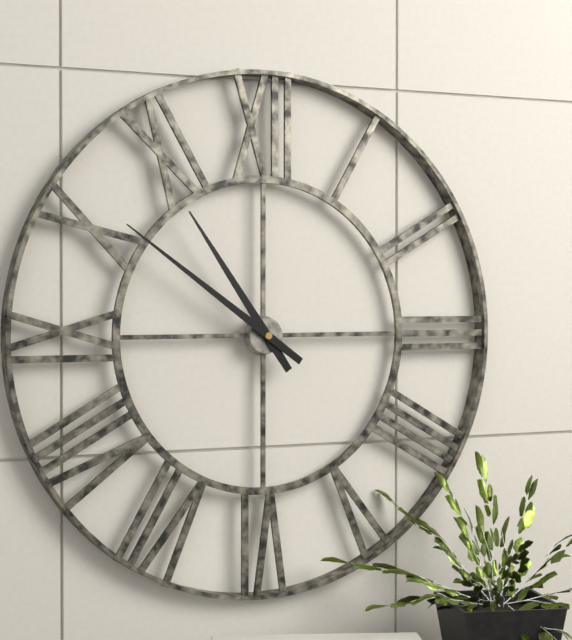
**10:51**
